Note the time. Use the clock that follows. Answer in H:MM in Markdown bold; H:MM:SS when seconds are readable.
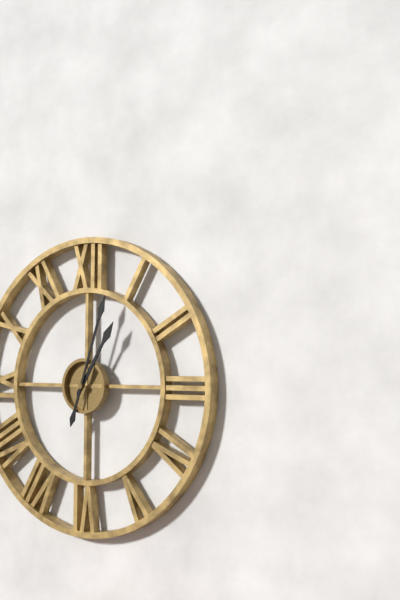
**1:03**
